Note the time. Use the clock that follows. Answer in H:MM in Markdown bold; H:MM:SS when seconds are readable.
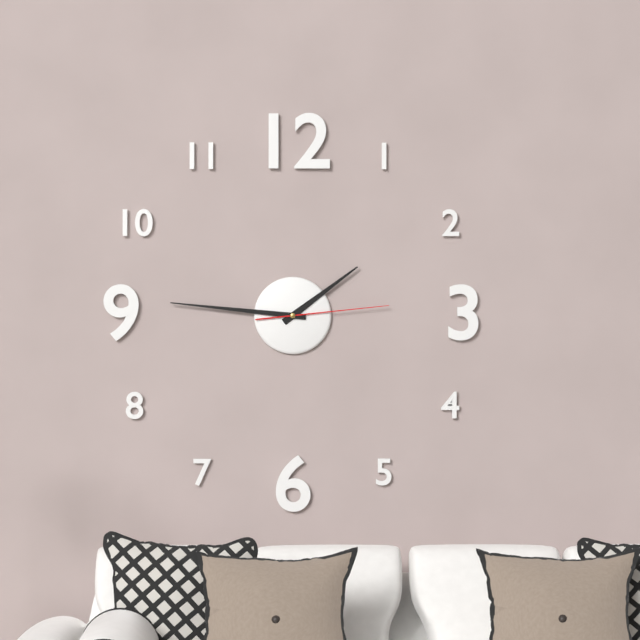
**1:46:14**
